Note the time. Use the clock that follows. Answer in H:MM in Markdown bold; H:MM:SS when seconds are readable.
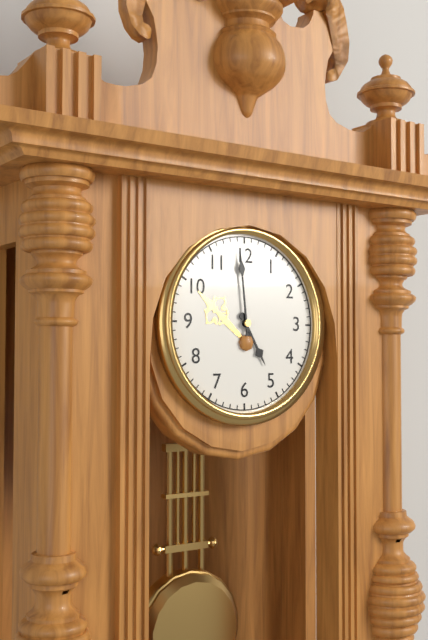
**4:59**
